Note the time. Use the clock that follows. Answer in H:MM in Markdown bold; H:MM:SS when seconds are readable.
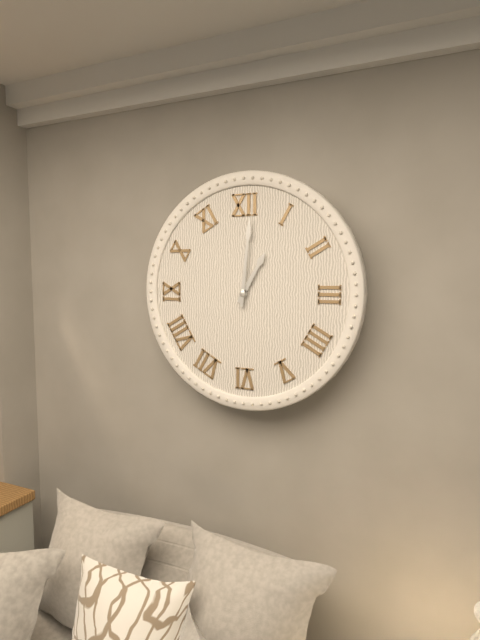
**1:01**
